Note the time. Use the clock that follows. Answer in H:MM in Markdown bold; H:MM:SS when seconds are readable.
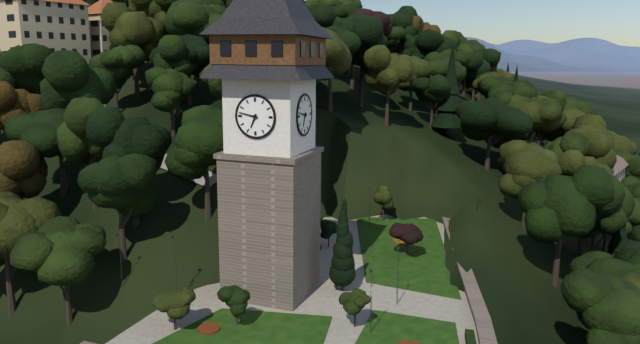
**6:47**
